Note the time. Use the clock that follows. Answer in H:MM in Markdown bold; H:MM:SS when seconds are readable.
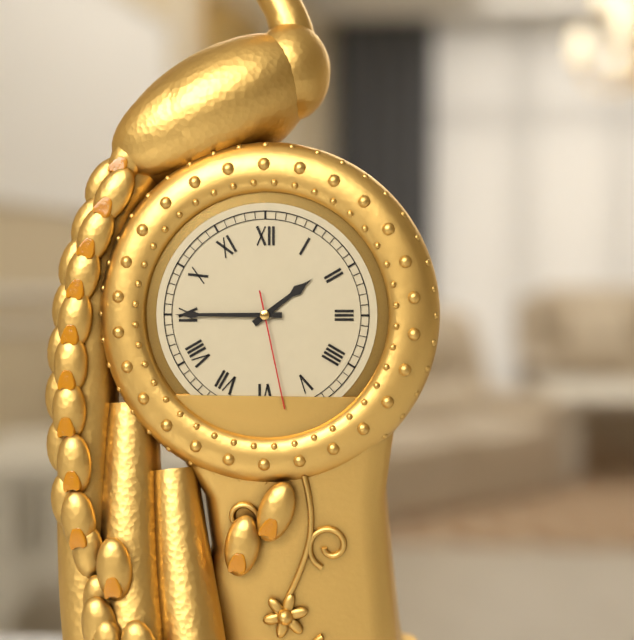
**1:45:28**
